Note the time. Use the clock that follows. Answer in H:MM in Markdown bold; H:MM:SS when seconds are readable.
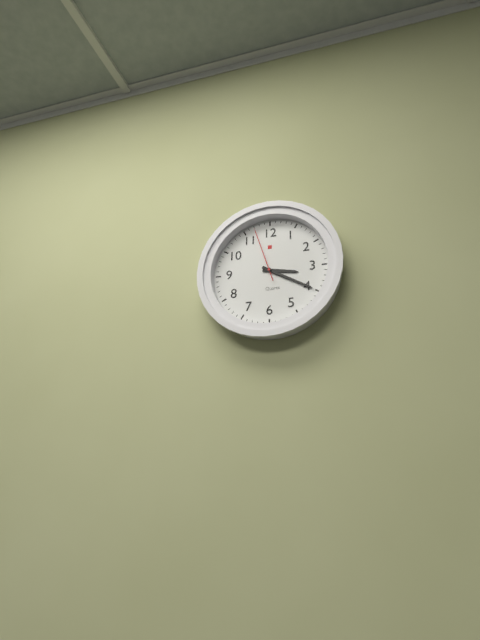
**3:20:57**
